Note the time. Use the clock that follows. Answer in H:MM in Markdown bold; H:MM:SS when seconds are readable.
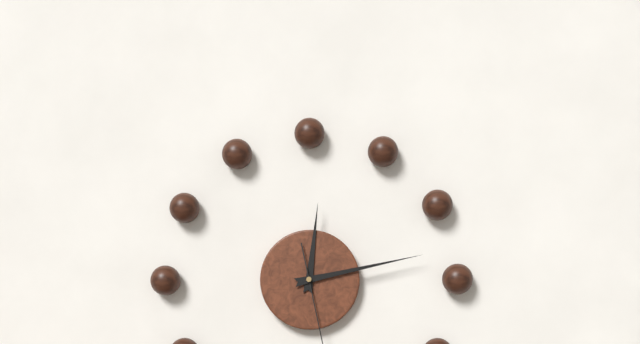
**12:13**
